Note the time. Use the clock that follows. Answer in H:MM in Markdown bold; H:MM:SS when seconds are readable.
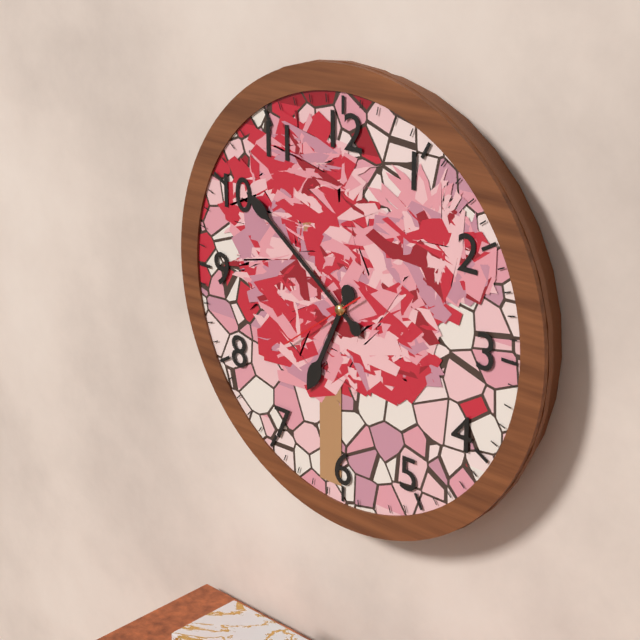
**6:51:39**
